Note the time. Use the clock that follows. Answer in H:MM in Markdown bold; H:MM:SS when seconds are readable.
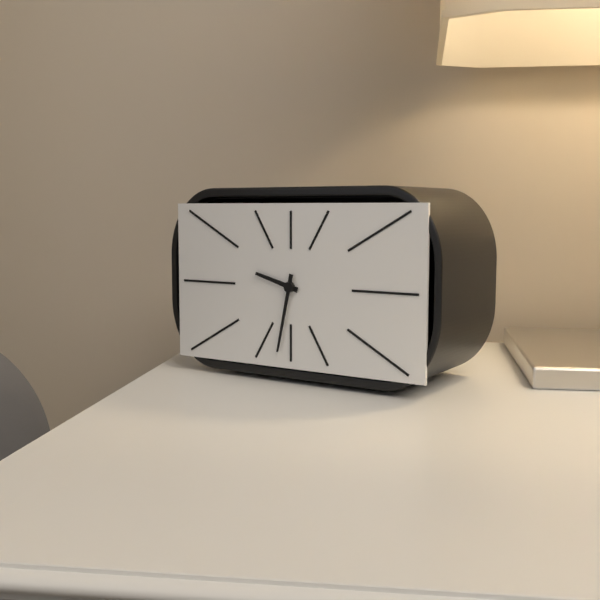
**9:32**
